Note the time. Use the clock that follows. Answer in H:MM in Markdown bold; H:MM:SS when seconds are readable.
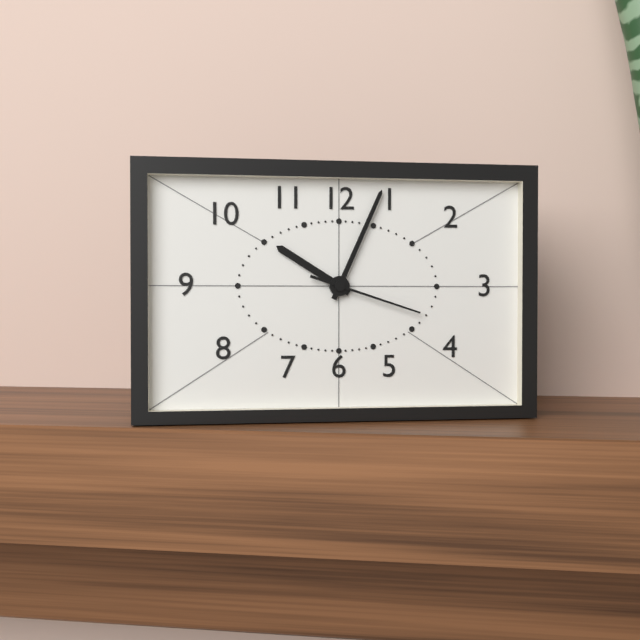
**10:04:18**
